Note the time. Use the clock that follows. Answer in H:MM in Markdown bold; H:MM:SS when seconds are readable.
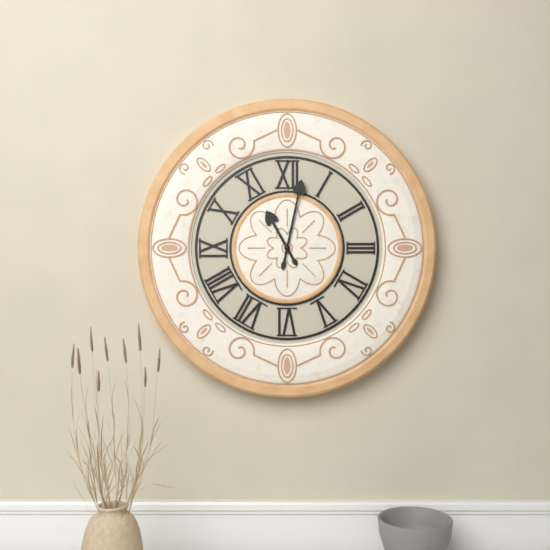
**11:02**
